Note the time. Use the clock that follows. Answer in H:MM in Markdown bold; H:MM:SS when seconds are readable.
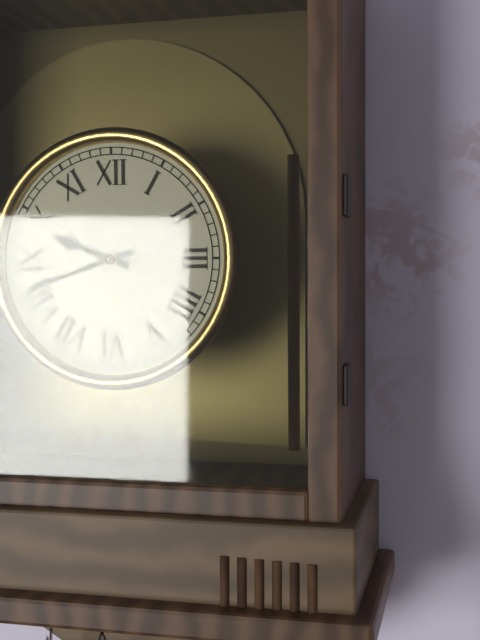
**9:42**
